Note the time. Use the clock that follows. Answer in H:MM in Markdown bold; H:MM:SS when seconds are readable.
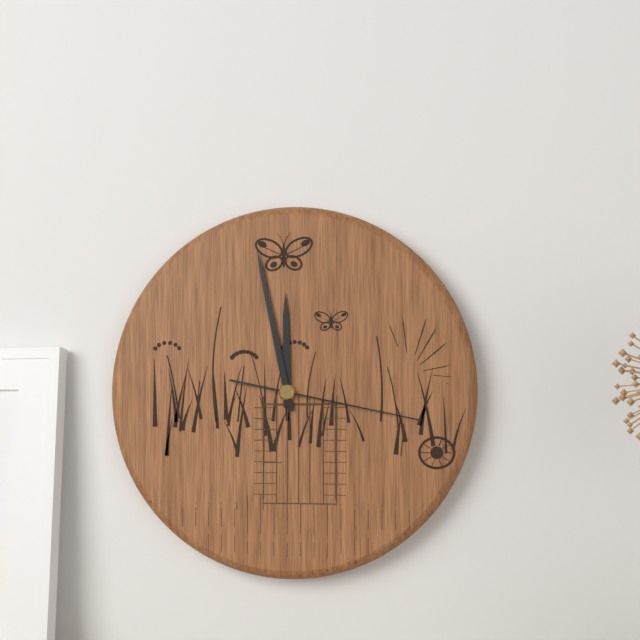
**11:58:17**
